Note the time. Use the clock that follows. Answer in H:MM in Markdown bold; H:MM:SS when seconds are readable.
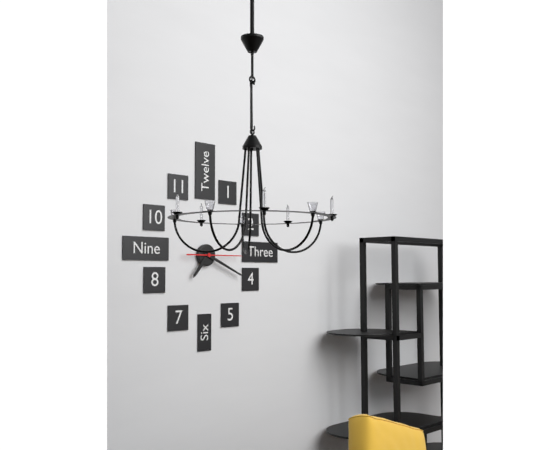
**7:19**
